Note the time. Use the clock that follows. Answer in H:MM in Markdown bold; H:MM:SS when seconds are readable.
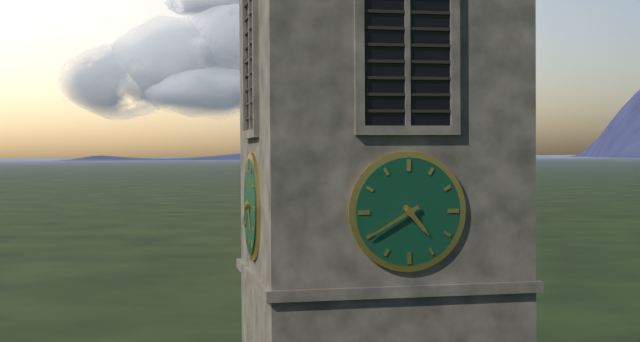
**4:40**
